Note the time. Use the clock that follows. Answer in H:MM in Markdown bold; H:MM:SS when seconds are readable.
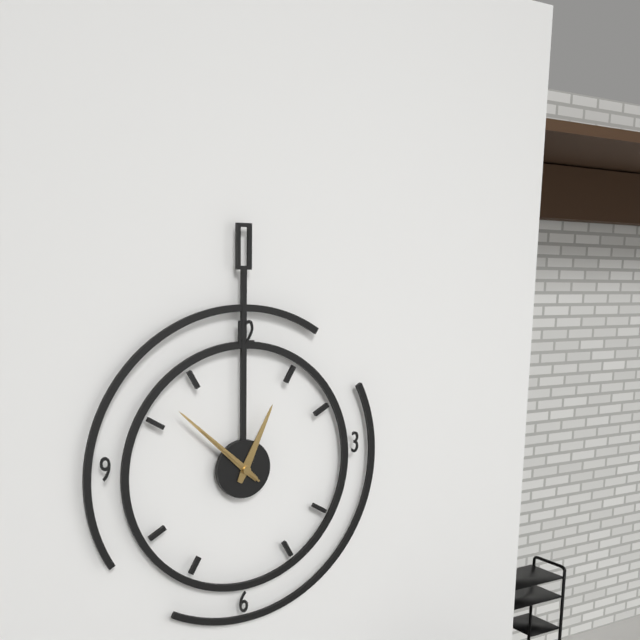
**12:52:52**
